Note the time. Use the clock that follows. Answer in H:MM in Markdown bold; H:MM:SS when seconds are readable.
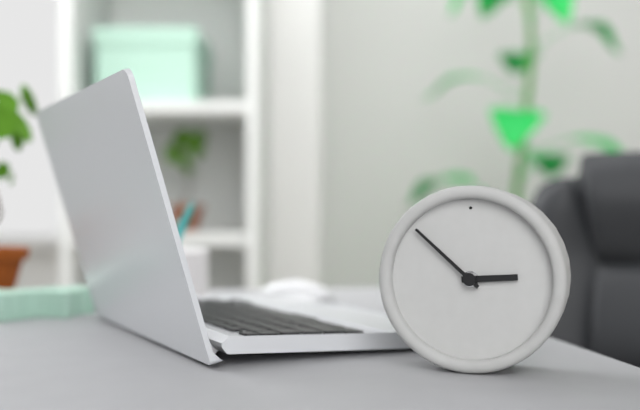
**2:52**
